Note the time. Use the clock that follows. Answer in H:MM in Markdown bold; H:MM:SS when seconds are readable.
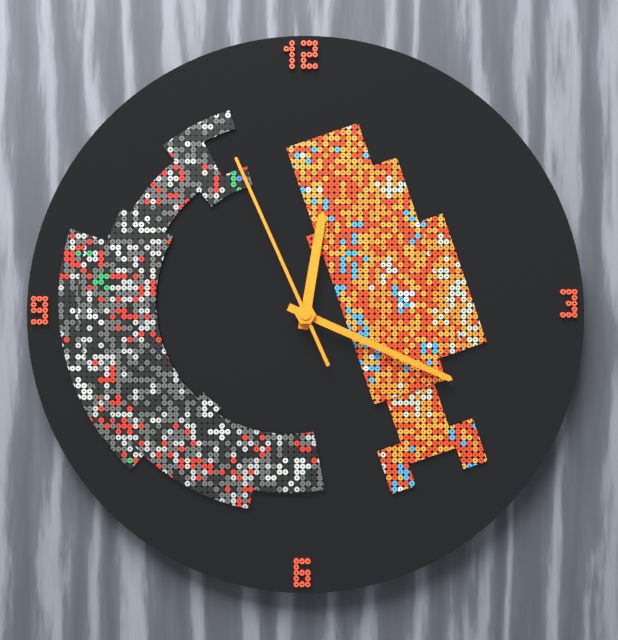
**12:19:56**
